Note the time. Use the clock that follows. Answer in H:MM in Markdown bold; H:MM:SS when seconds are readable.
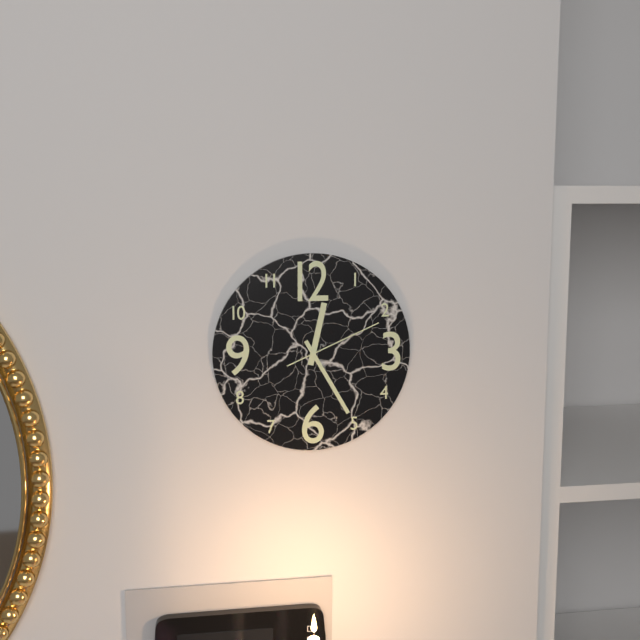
**12:25:11**
